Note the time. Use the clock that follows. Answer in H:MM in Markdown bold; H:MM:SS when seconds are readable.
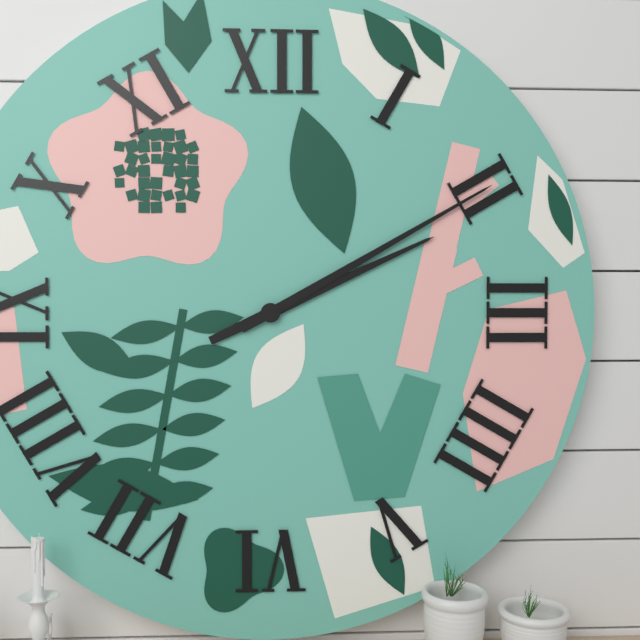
**2:10**
